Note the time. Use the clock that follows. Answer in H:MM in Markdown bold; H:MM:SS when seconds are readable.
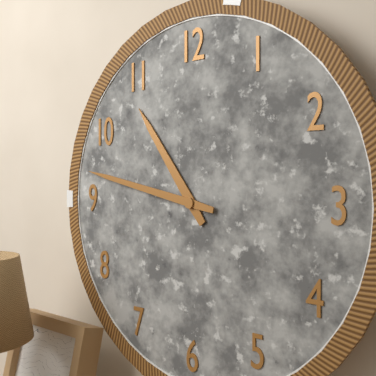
**10:47**
